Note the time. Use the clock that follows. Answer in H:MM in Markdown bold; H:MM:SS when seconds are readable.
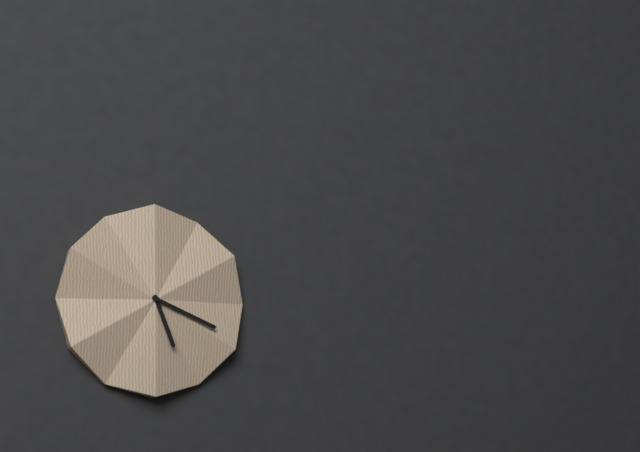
**5:19**
